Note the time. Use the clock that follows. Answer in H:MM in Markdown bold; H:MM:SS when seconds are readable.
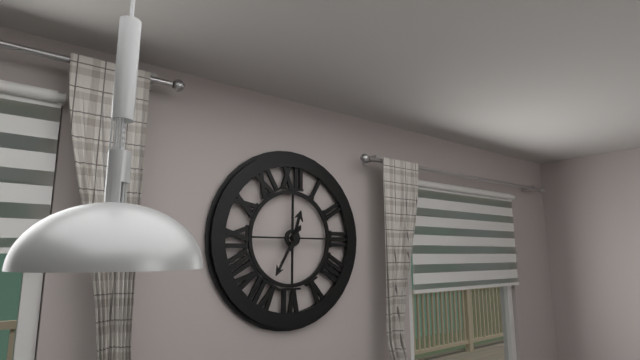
**12:35**
